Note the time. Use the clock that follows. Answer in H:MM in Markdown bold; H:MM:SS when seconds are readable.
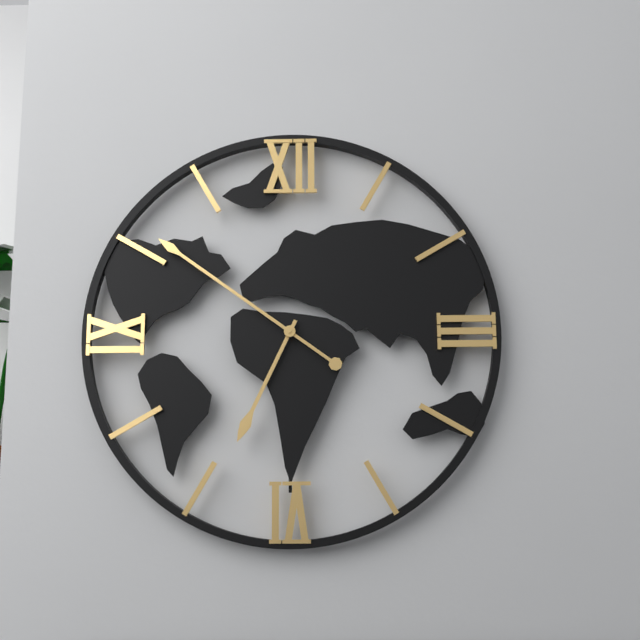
**6:51**
